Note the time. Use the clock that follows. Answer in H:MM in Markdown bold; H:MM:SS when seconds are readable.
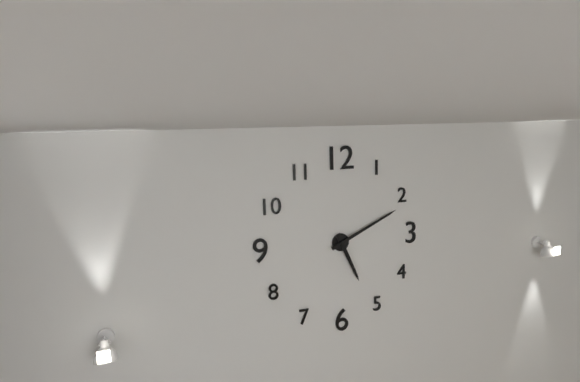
**5:11**
